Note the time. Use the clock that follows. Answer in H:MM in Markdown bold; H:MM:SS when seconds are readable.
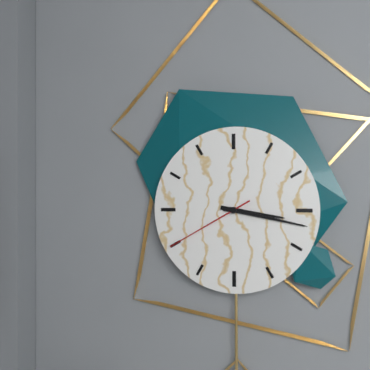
**3:17:40**
